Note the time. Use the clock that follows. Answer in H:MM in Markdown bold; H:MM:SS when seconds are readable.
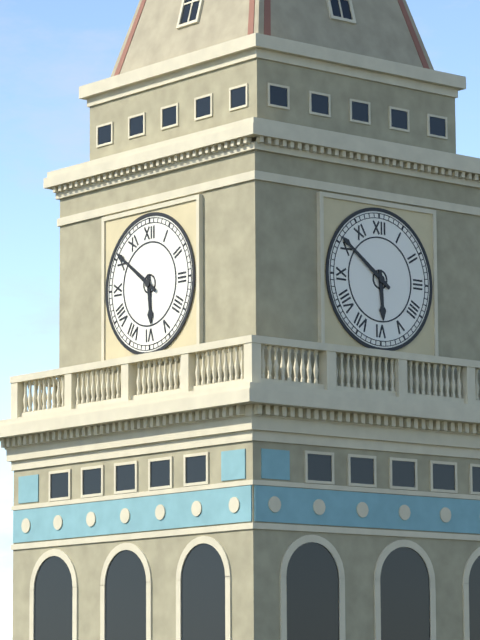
**5:51**
